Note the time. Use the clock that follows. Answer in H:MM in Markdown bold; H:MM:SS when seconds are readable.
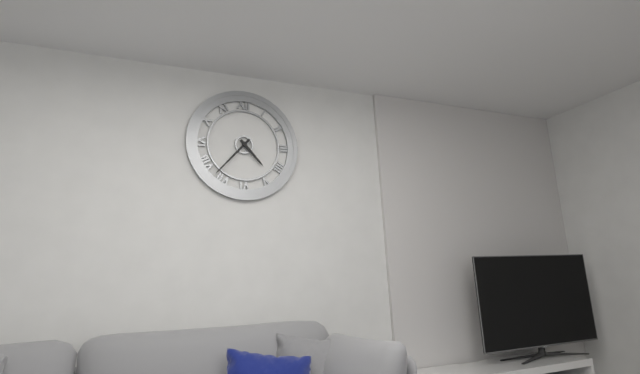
**4:37**
